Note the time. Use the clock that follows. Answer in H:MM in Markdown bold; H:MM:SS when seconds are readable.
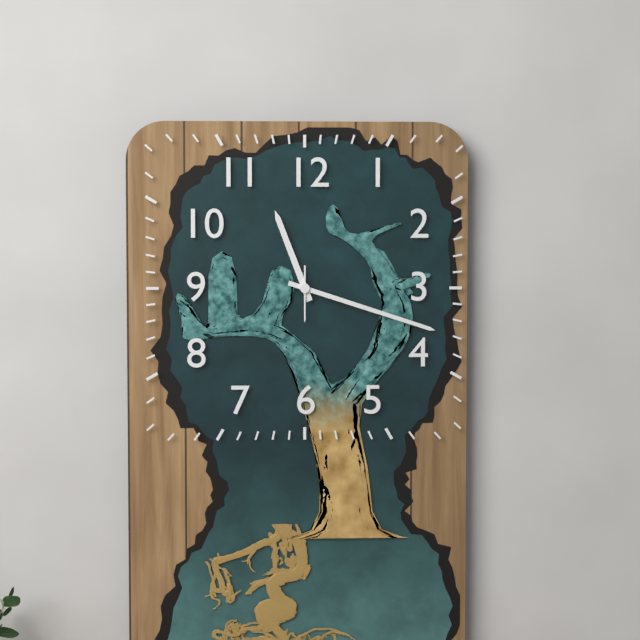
**11:18**
